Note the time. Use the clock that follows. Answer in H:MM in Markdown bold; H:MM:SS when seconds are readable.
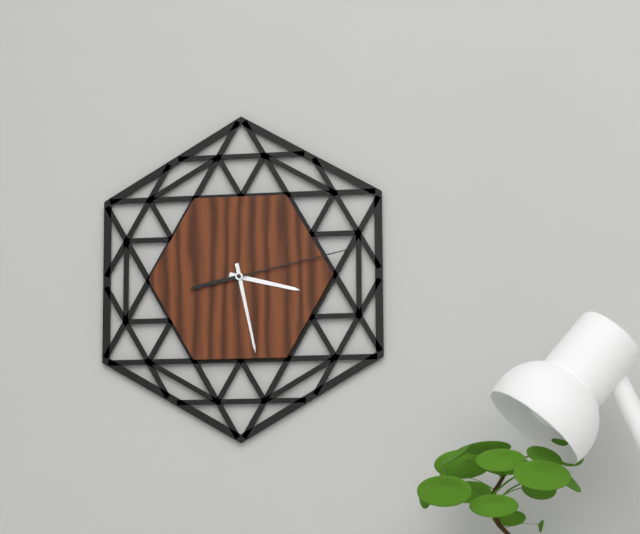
**3:28:13**
